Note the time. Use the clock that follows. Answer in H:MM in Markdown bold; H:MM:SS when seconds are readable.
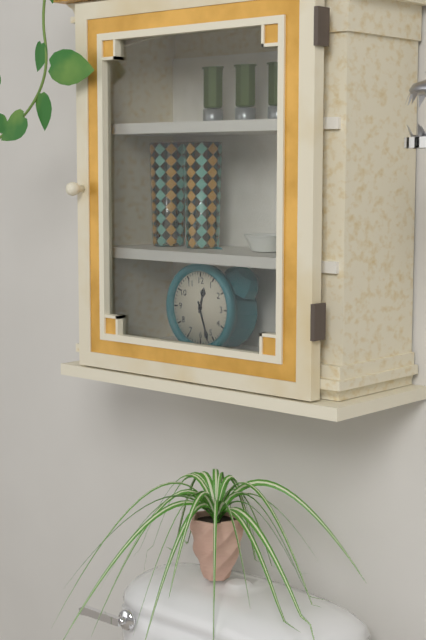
**12:27**
